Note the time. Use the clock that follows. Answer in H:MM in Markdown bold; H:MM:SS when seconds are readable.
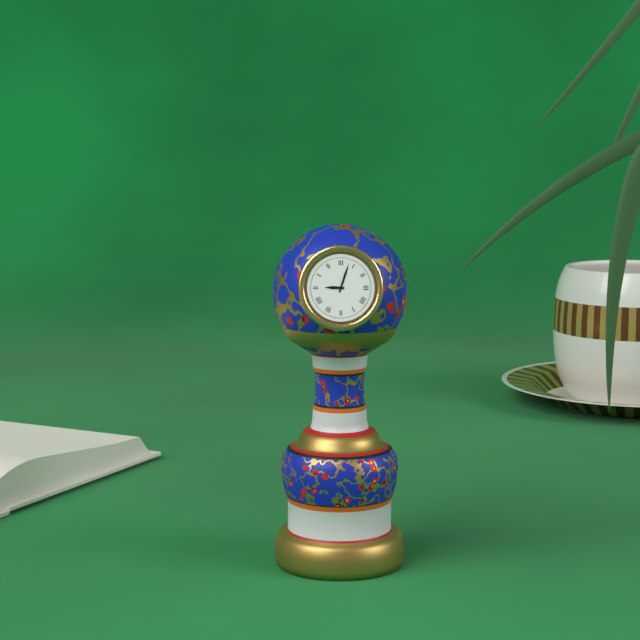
**9:03**
